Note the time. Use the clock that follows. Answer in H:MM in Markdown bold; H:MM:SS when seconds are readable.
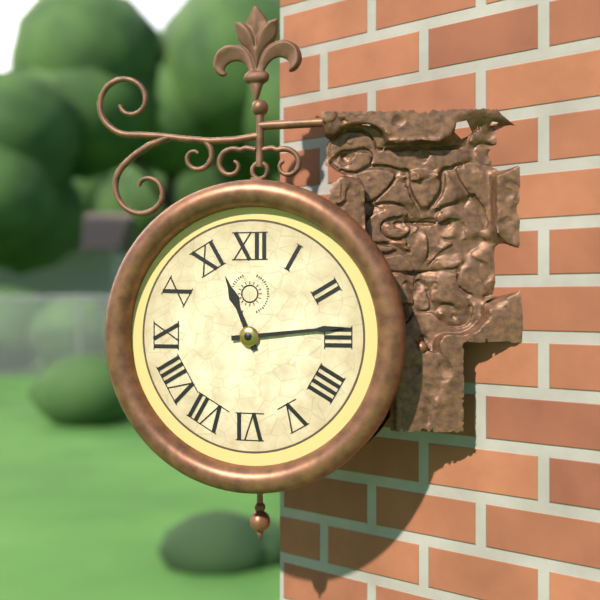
**11:14**
